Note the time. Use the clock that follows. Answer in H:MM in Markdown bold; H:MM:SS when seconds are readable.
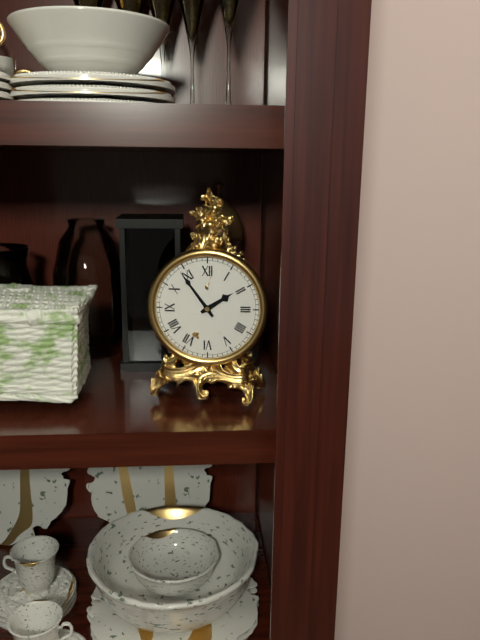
**1:54**
